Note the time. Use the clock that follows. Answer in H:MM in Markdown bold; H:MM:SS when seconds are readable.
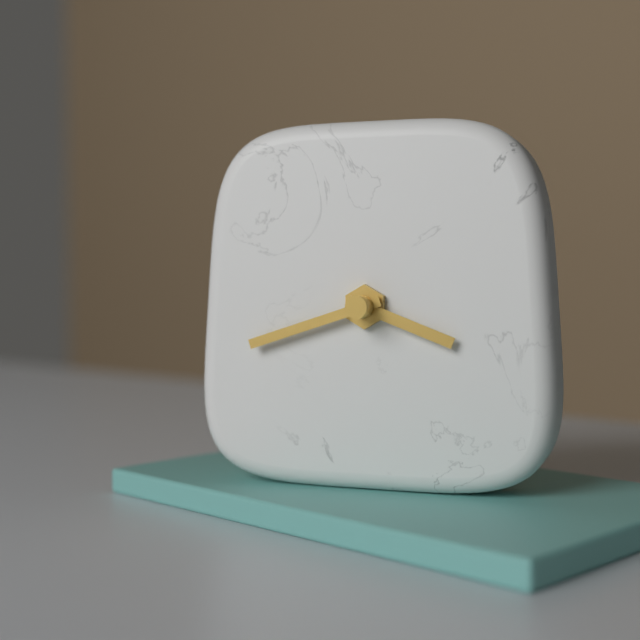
**3:42**
